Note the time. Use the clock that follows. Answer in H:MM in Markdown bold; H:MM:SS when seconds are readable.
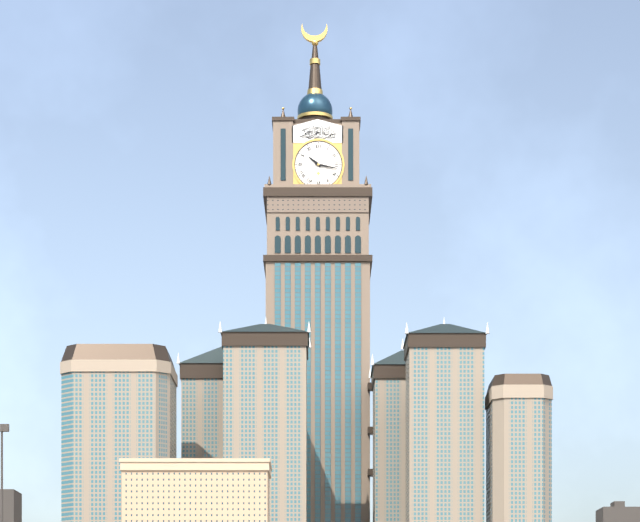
**10:17**
